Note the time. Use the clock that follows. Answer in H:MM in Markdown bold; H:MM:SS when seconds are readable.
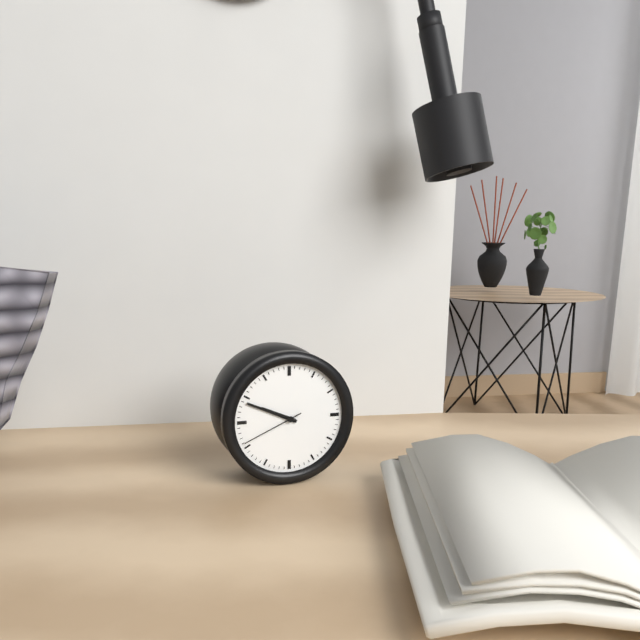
**9:49:41**
